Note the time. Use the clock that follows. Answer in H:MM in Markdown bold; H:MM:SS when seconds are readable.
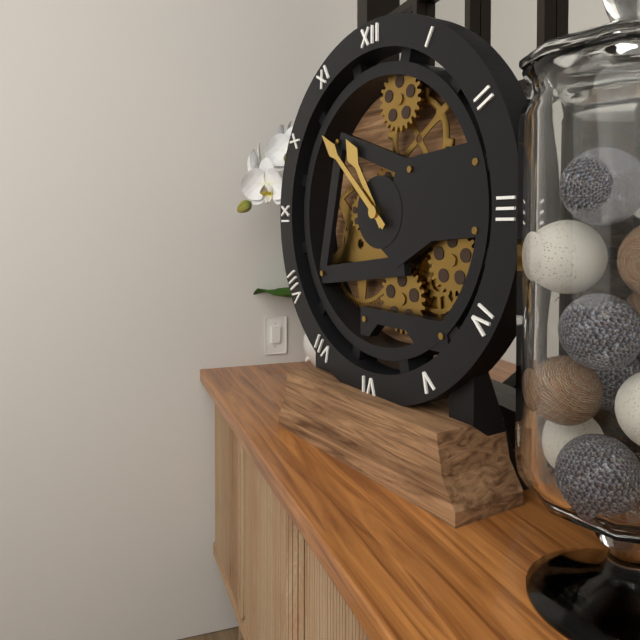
**10:52**
